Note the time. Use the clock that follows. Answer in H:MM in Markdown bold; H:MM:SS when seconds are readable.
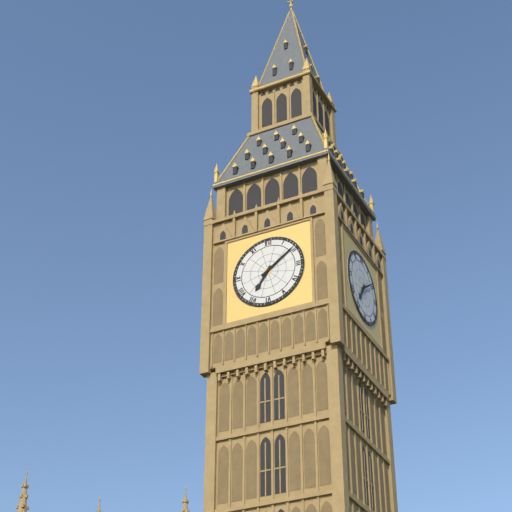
**7:09**
